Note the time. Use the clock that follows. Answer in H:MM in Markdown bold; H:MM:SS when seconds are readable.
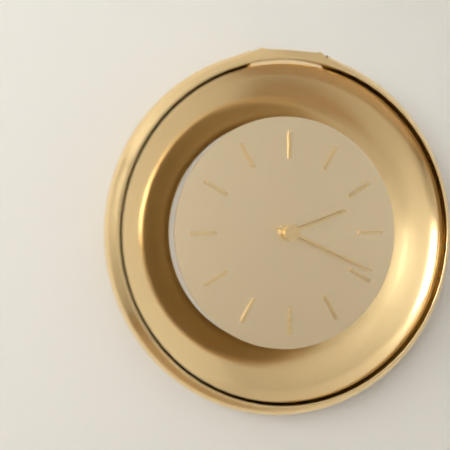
**2:19**
